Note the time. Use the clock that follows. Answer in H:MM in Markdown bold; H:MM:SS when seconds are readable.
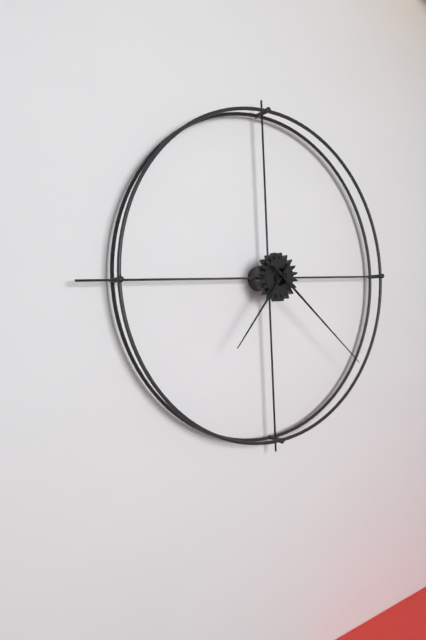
**7:22**
